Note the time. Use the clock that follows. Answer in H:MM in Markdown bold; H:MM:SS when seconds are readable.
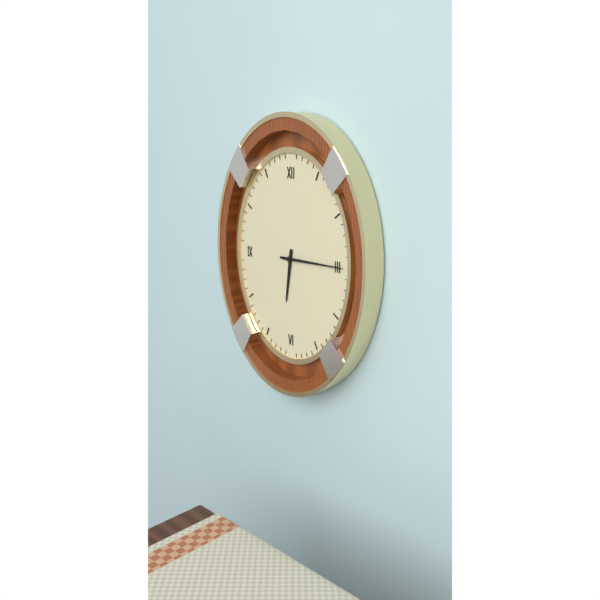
**6:15**
